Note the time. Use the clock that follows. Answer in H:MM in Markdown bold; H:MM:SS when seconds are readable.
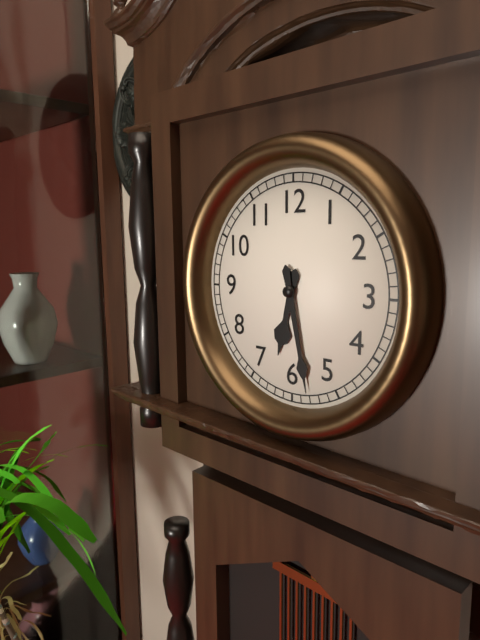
**6:28**
